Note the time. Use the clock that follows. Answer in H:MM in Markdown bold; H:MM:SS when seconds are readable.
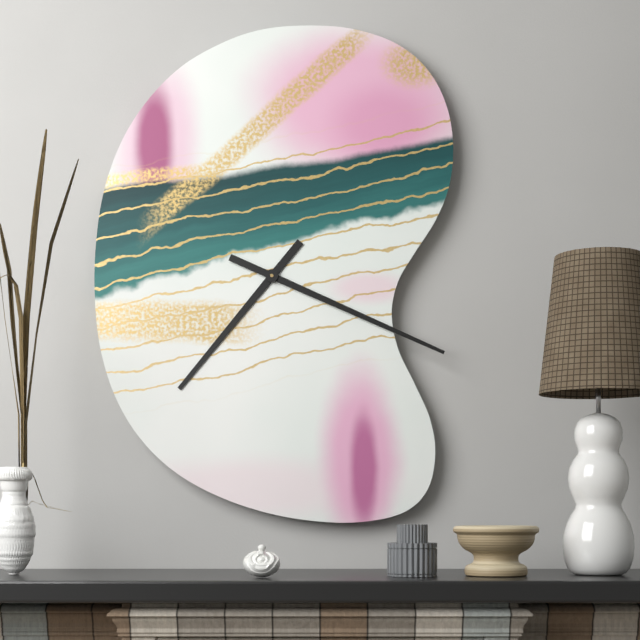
**7:19**
